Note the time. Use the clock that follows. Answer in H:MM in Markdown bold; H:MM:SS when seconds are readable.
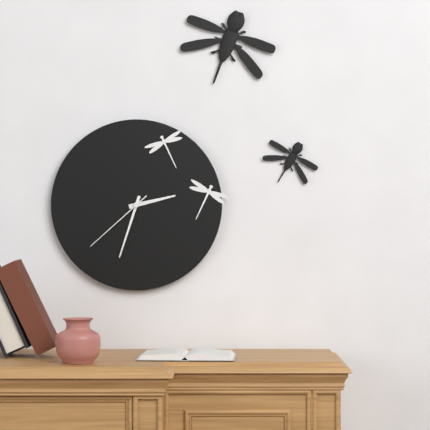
**2:33:38**
